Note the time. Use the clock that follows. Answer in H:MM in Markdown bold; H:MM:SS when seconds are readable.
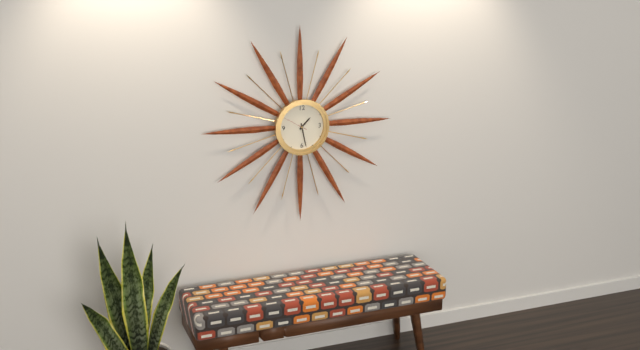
**1:28**
